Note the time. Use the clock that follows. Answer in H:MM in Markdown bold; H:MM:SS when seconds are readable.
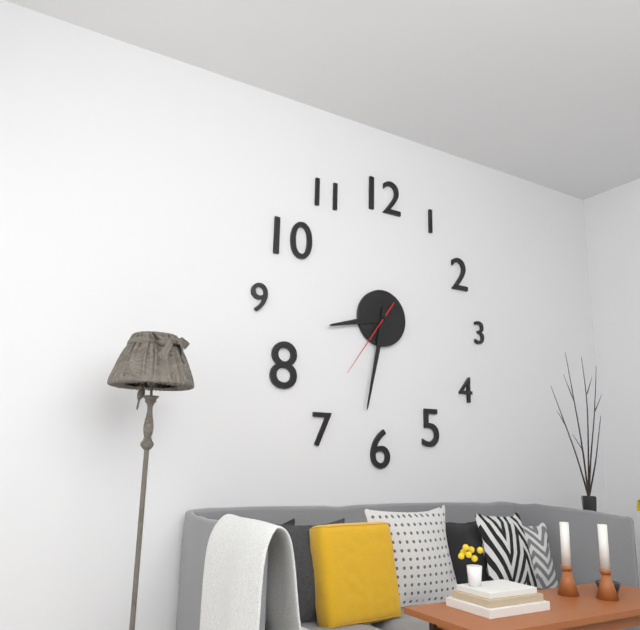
**8:32:36**
